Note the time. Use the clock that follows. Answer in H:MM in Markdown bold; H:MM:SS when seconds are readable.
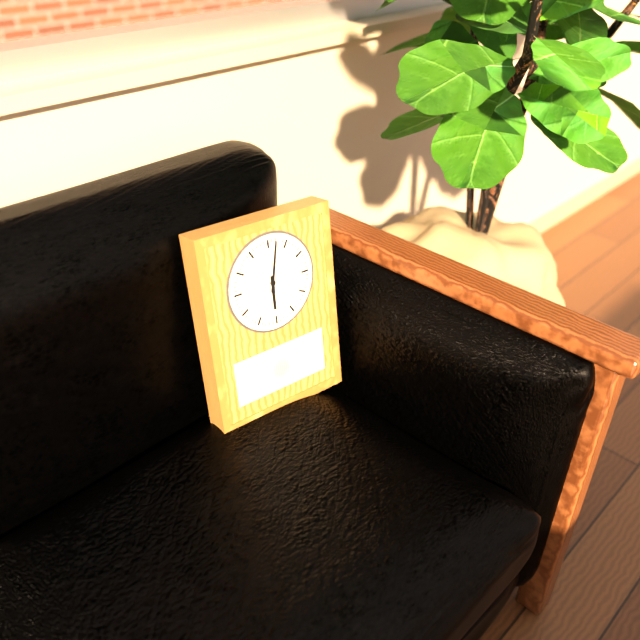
**6:02**
